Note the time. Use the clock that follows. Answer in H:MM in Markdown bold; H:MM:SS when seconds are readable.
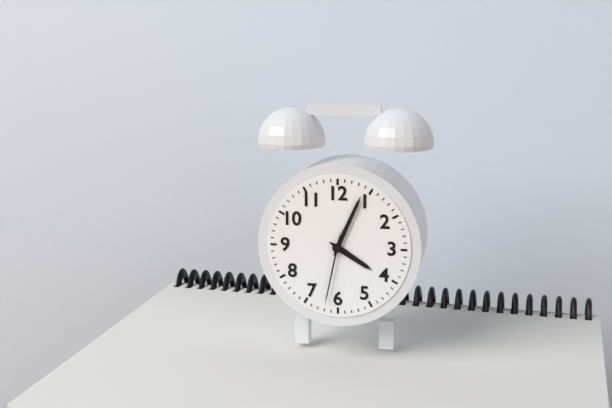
**4:04:32**
